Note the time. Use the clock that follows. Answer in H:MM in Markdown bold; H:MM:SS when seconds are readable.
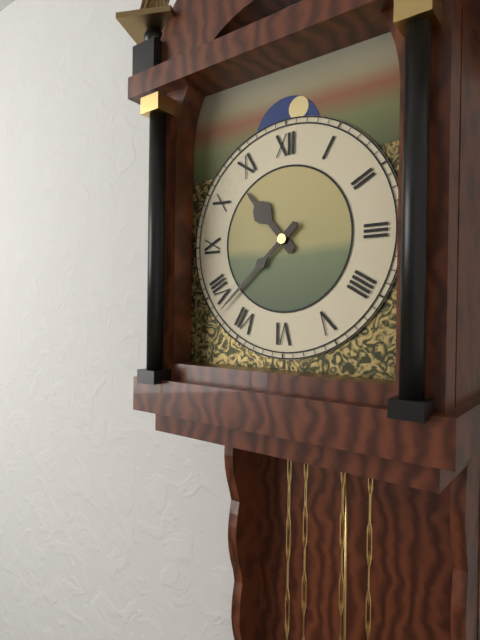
**10:38**
